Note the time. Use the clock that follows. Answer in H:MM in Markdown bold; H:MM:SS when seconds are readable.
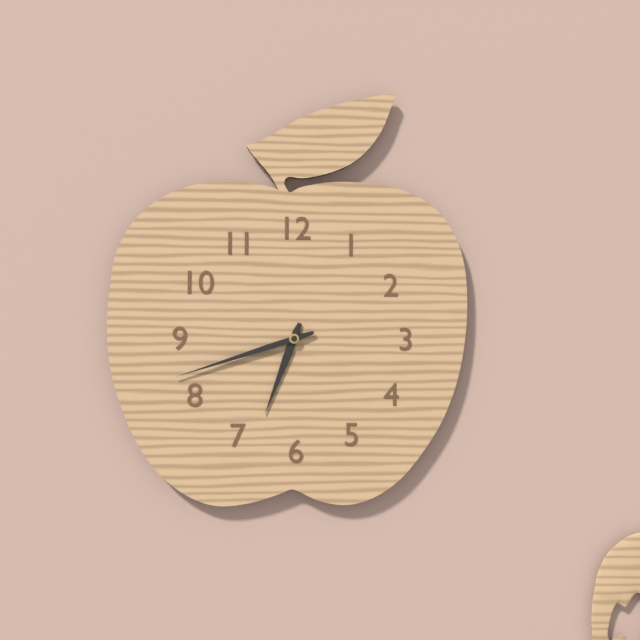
**6:42**
